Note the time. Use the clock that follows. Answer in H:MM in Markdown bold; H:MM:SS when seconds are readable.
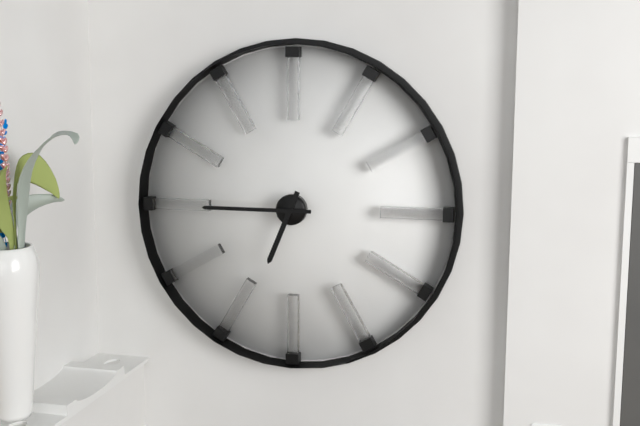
**6:45**
